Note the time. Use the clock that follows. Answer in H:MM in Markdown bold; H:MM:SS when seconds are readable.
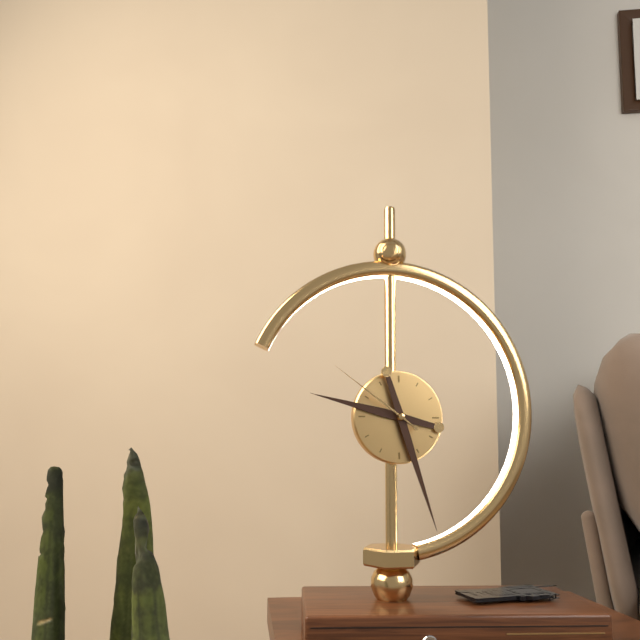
**9:27:51**
